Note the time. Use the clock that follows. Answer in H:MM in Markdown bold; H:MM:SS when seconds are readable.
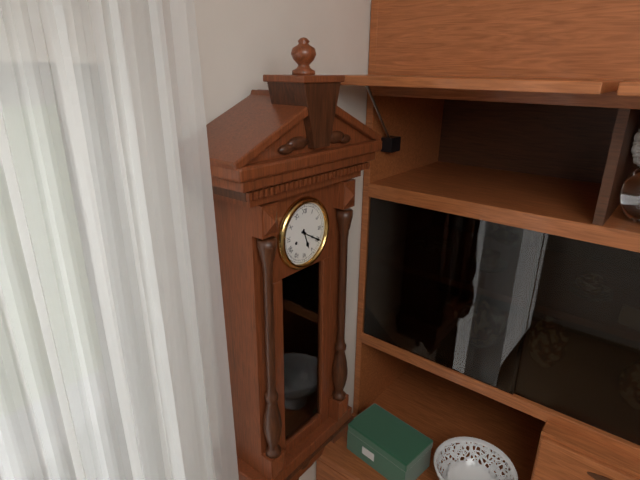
**5:20**
